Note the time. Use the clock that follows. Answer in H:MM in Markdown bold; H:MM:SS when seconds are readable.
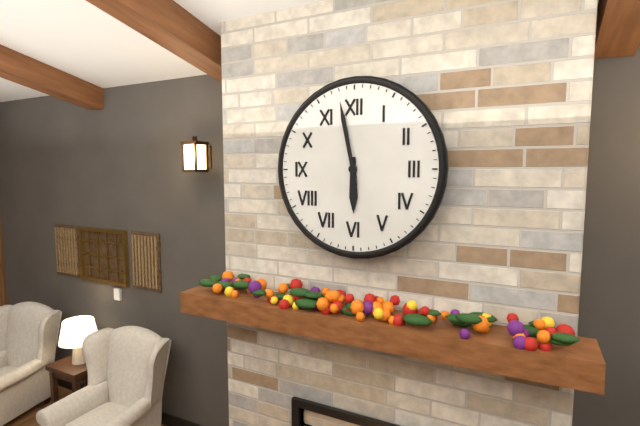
**5:58**
